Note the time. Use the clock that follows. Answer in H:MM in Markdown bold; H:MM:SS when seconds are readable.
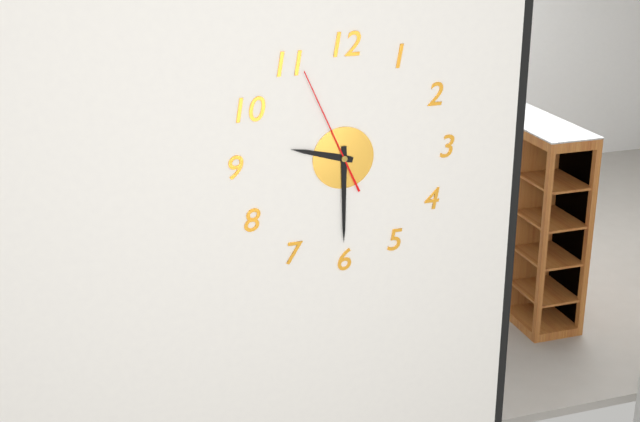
**9:30:56**
